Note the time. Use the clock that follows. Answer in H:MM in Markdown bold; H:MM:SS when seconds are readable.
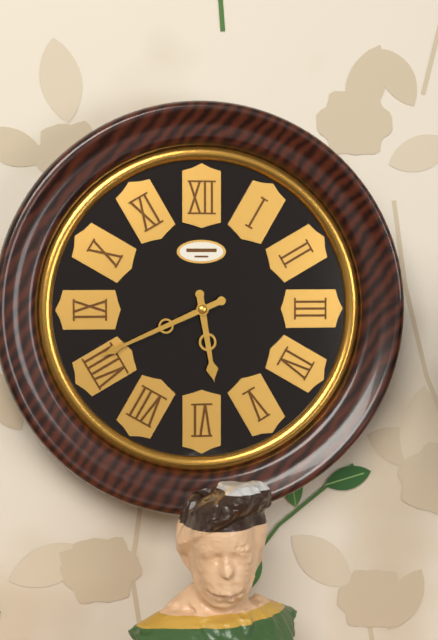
**5:41**
